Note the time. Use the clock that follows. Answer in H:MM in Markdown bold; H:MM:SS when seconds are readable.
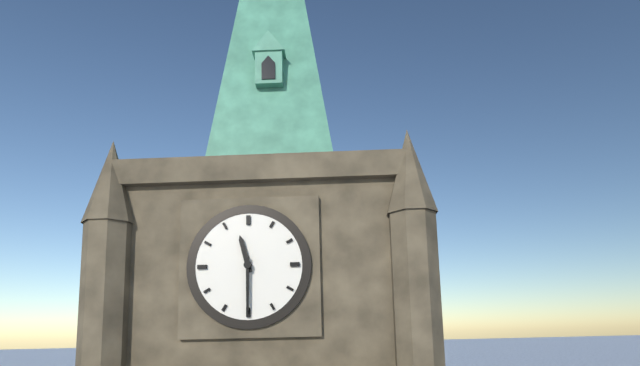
**11:30**
